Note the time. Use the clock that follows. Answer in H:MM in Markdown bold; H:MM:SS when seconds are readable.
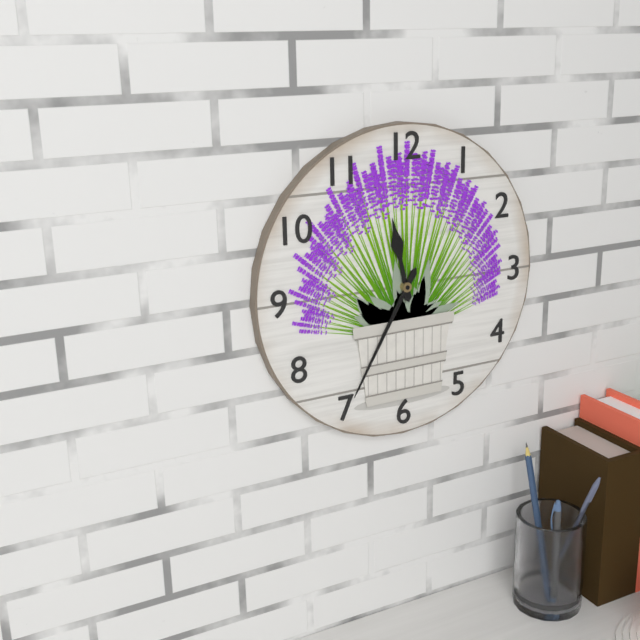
**11:35**
